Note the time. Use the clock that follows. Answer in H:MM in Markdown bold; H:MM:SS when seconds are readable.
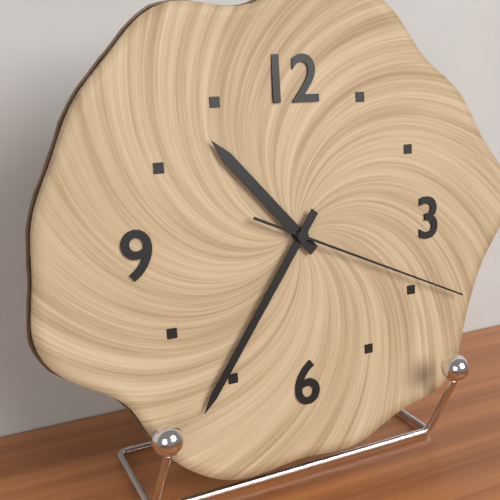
**10:36:19**
